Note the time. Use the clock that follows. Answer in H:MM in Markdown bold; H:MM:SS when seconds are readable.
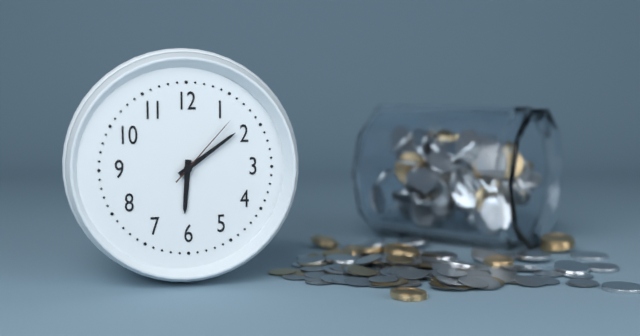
**6:09:07**
